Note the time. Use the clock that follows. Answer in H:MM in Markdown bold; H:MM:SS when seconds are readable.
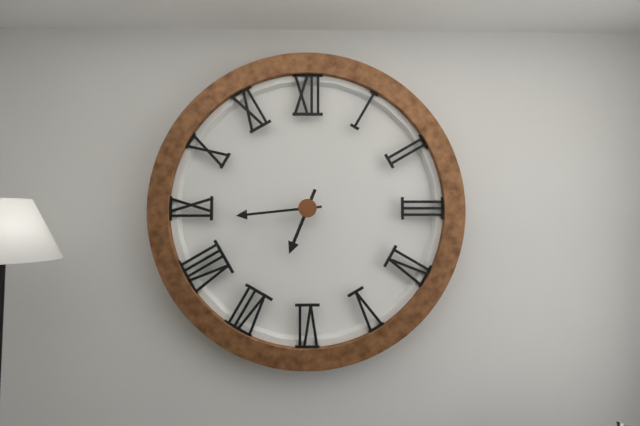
**6:44**
